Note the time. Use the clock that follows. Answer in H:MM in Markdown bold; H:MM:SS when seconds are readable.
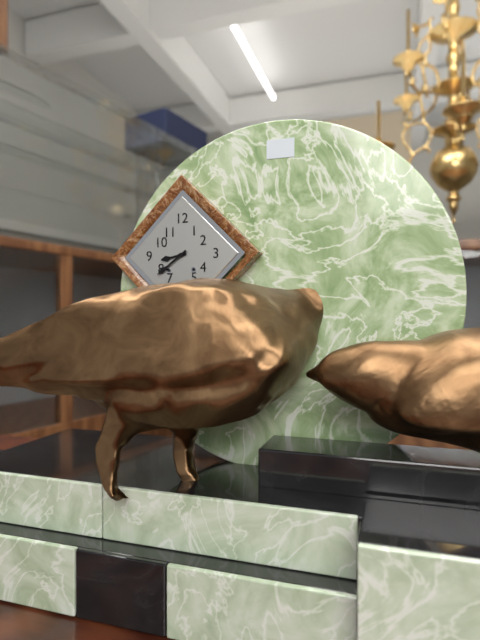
**8:39**
